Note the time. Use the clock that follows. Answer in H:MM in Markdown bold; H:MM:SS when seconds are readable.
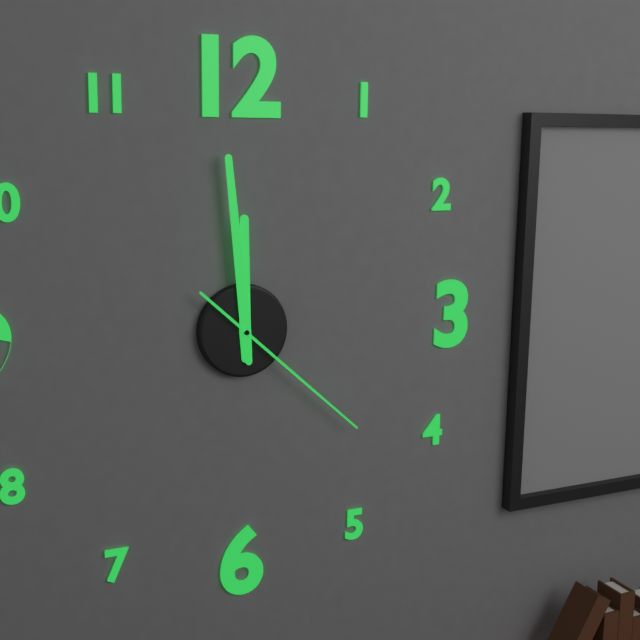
**11:59:22**
